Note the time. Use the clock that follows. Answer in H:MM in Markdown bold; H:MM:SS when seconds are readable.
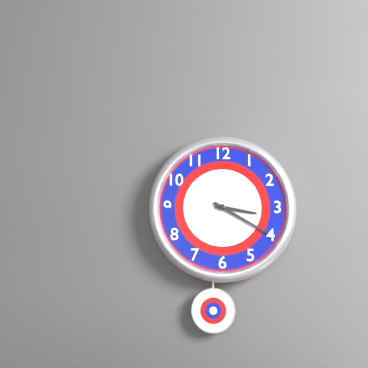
**3:20**
